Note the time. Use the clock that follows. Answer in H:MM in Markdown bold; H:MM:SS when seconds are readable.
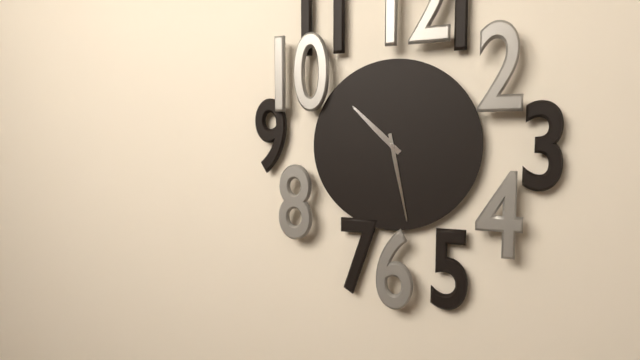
**10:28**
